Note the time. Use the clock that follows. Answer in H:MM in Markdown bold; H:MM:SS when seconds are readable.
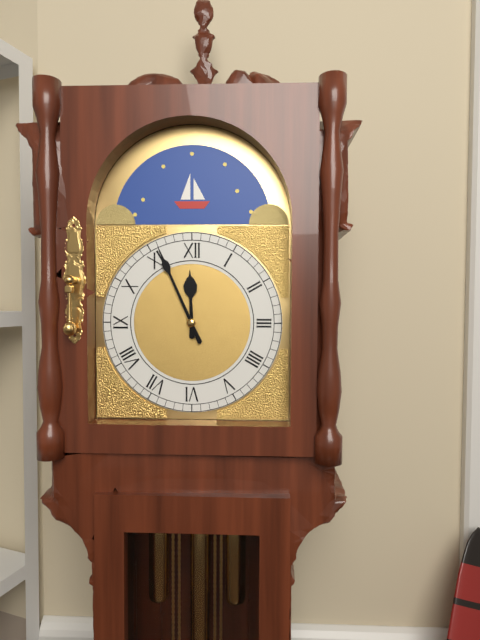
**11:56**
